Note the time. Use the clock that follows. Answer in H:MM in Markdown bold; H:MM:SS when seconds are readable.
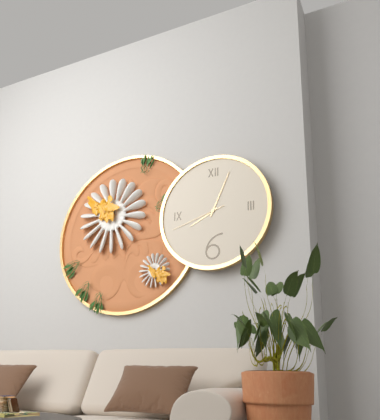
**8:04:42**
